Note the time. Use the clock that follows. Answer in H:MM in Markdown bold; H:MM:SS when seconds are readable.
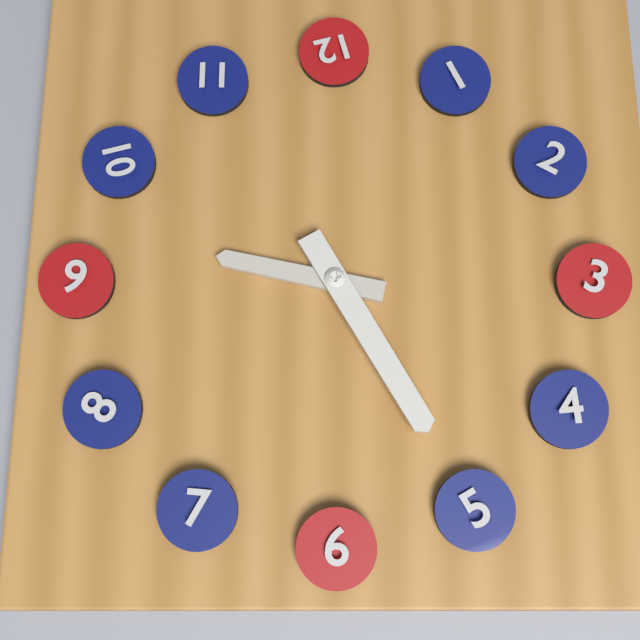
**9:25**
